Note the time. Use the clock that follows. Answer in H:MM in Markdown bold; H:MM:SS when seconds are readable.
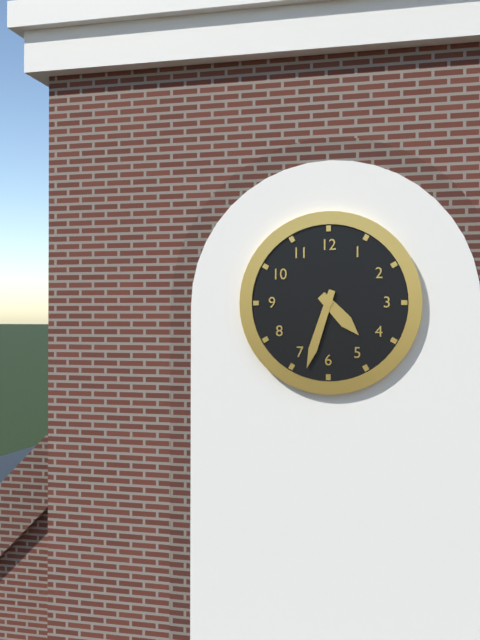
**4:33**
